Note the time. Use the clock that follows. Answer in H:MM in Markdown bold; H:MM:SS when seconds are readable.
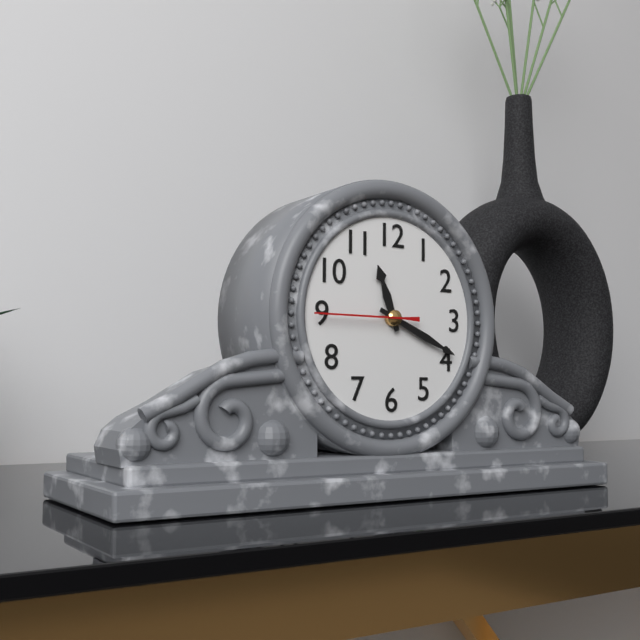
**11:19:45**
